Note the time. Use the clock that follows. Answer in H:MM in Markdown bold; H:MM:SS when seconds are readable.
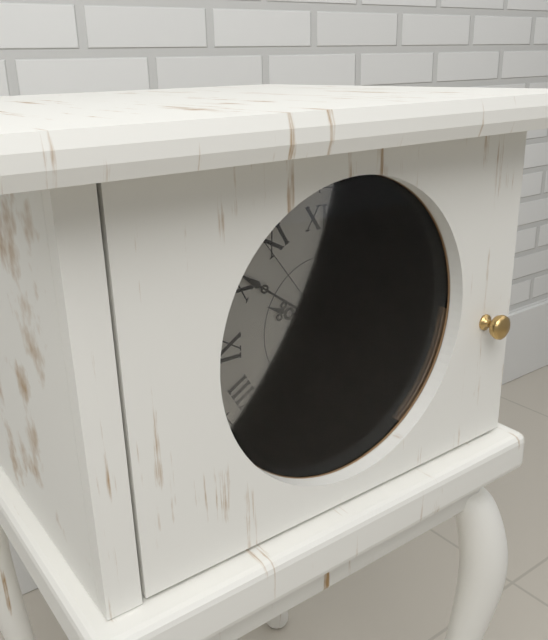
**9:51:54**
